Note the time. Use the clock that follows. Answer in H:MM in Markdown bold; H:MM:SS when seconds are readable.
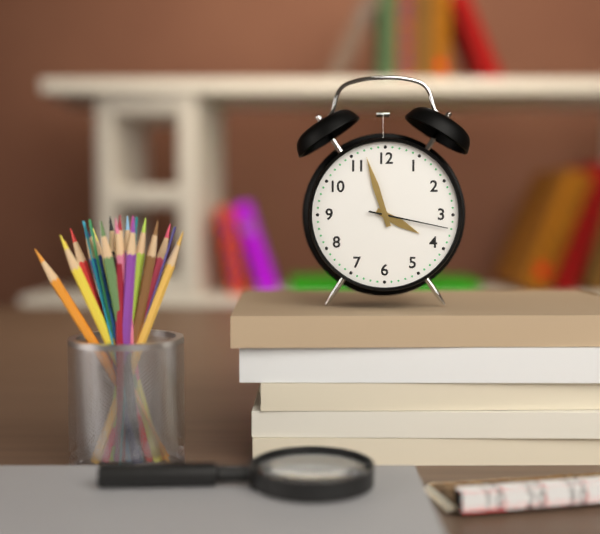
**3:57:17**
